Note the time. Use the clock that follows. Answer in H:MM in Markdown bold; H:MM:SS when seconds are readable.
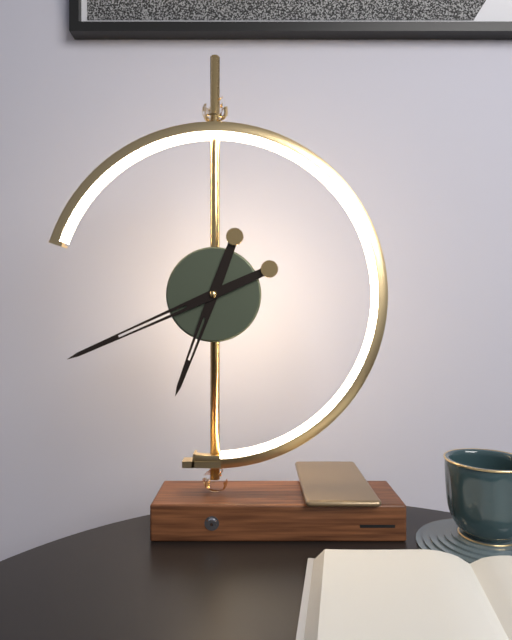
**6:41**
